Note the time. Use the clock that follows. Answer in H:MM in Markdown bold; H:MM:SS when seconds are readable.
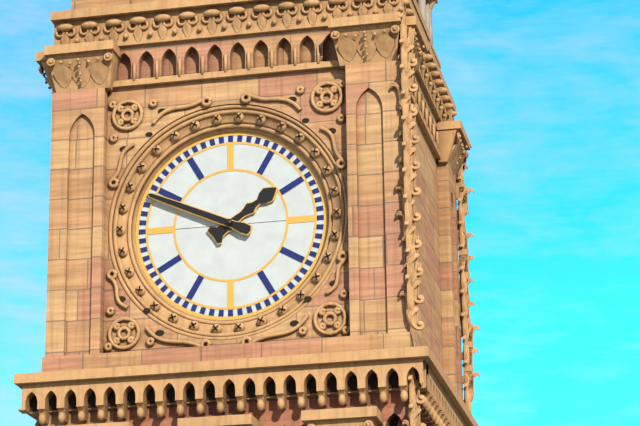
**1:49**
